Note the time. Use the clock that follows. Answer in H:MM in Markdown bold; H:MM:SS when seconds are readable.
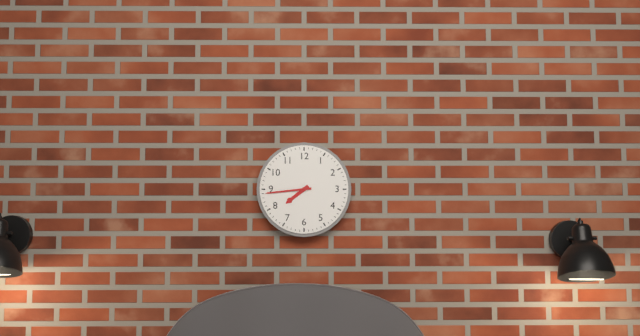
**7:44**
